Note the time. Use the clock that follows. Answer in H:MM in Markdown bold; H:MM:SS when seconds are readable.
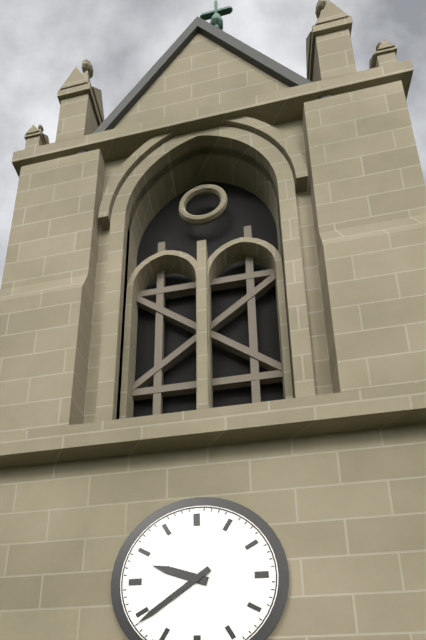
**9:39**
